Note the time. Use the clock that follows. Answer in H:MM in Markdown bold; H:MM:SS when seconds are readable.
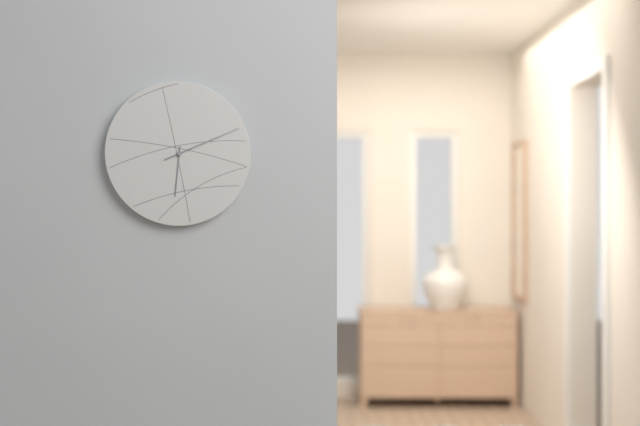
**6:11**
